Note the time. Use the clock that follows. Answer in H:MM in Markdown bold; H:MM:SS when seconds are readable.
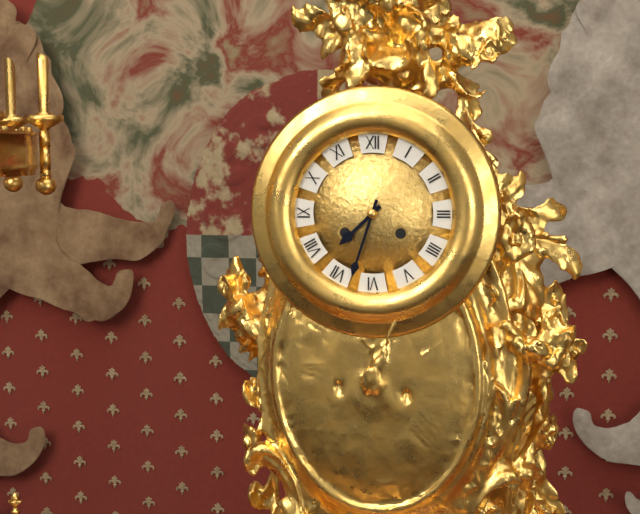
**7:33**
